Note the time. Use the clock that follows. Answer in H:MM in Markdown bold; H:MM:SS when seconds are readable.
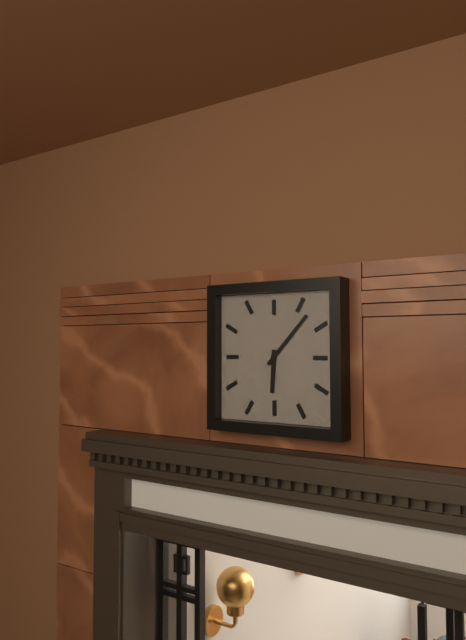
**6:07**
